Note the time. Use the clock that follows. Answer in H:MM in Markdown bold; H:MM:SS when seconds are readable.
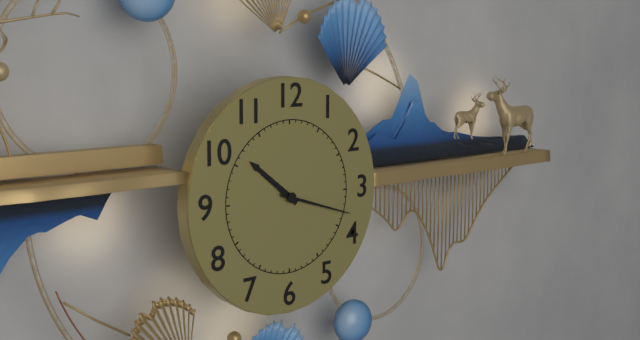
**10:18**
